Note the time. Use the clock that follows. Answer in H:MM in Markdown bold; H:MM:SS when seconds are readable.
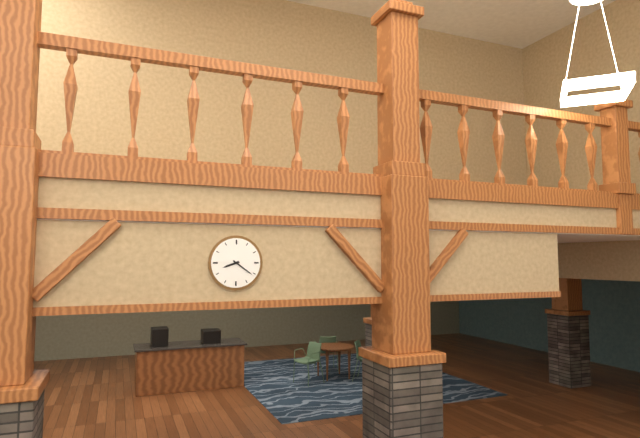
**8:21**
